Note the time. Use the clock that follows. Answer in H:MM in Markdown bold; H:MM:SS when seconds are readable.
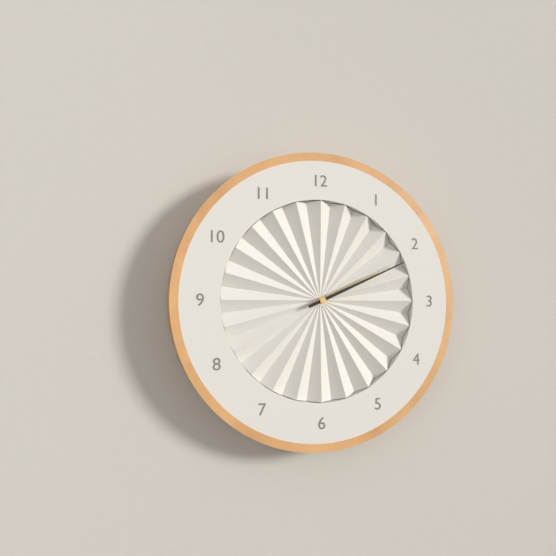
**2:11**
